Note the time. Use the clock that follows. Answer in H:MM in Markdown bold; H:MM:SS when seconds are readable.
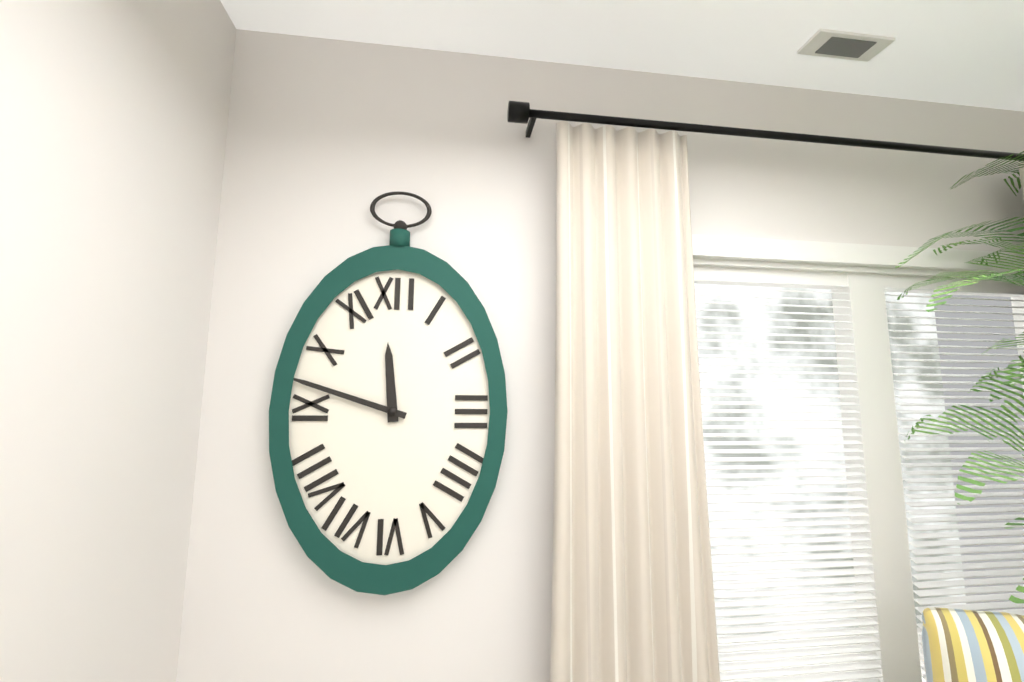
**11:48**
